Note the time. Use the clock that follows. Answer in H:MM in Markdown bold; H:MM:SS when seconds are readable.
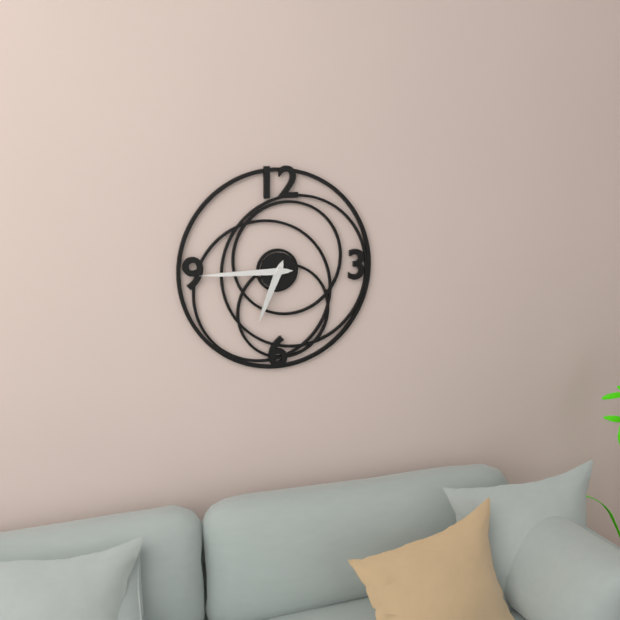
**6:45**
